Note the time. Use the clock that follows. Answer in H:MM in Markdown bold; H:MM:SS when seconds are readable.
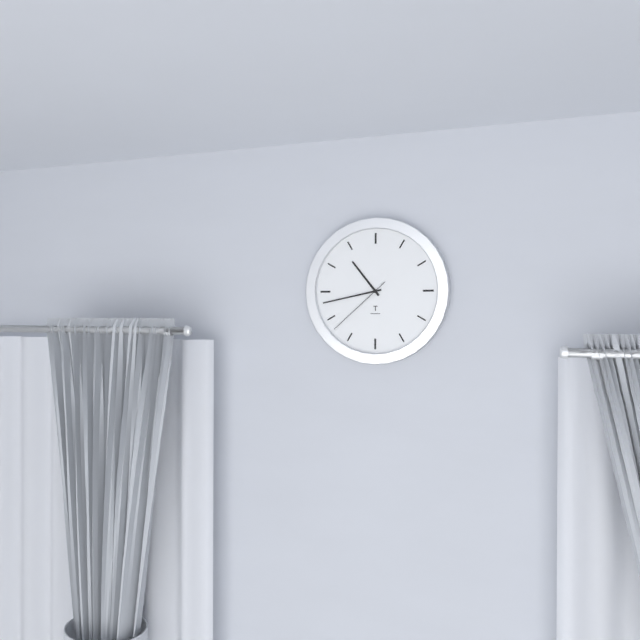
**10:43:38**
